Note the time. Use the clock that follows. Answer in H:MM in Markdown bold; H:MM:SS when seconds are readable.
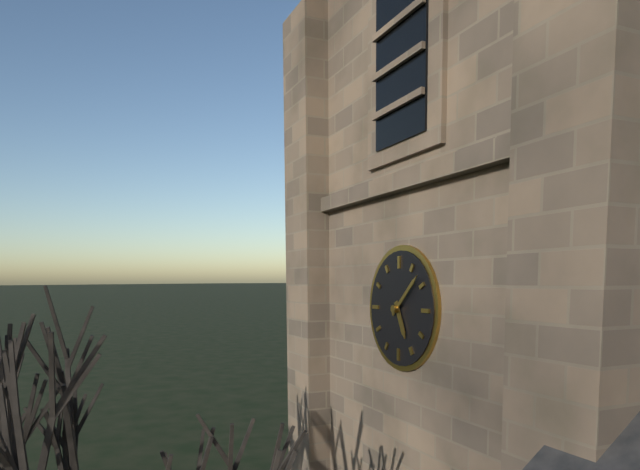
**5:08**
